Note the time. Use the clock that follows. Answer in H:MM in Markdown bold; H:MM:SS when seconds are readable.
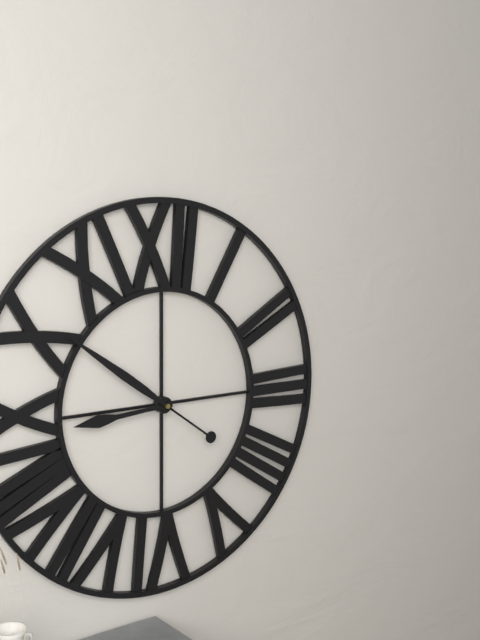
**8:51**
